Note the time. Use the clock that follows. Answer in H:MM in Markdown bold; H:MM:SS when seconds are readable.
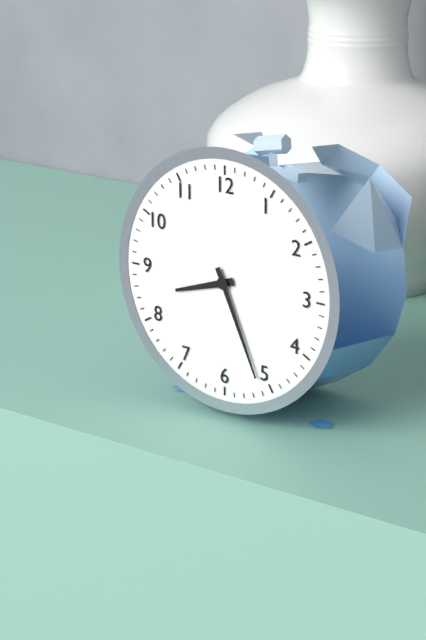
**8:26**
